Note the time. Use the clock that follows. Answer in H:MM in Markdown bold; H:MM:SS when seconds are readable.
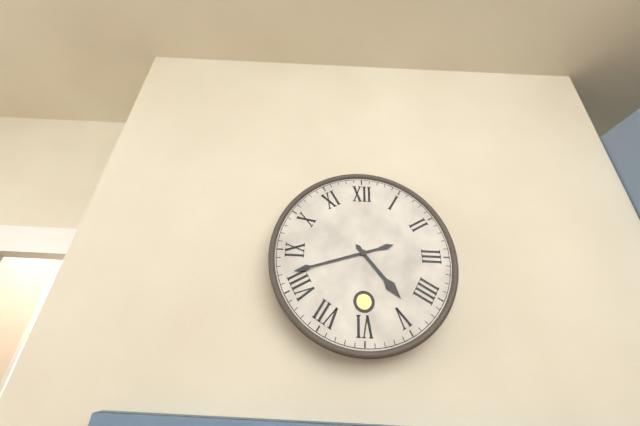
**4:42**
